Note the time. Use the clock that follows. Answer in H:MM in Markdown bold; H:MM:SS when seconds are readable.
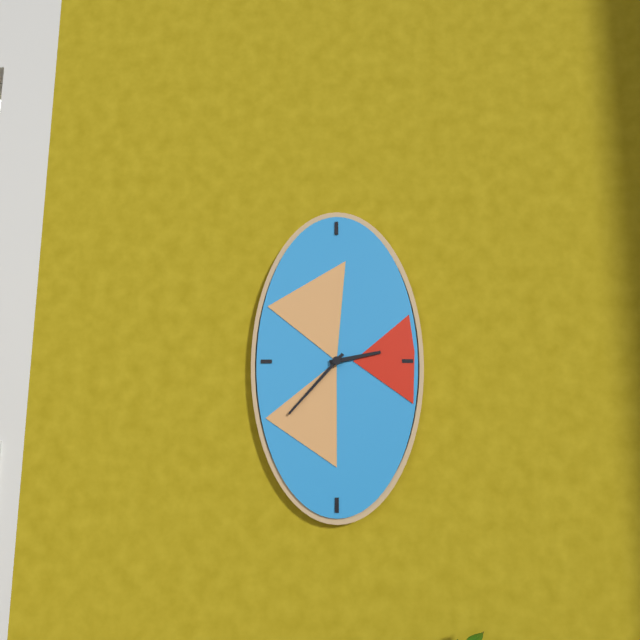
**2:37**
